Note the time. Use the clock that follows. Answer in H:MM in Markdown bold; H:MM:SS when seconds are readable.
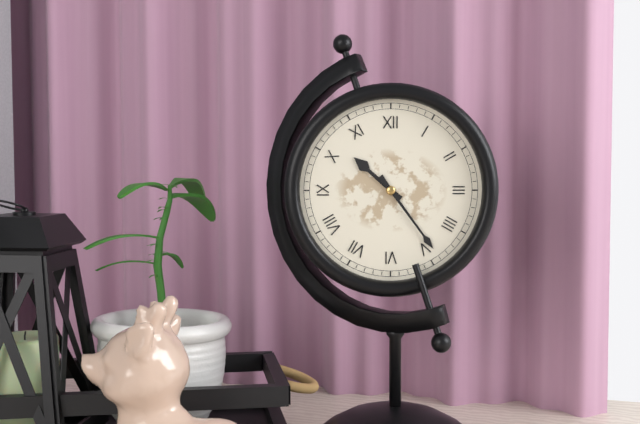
**10:24**
